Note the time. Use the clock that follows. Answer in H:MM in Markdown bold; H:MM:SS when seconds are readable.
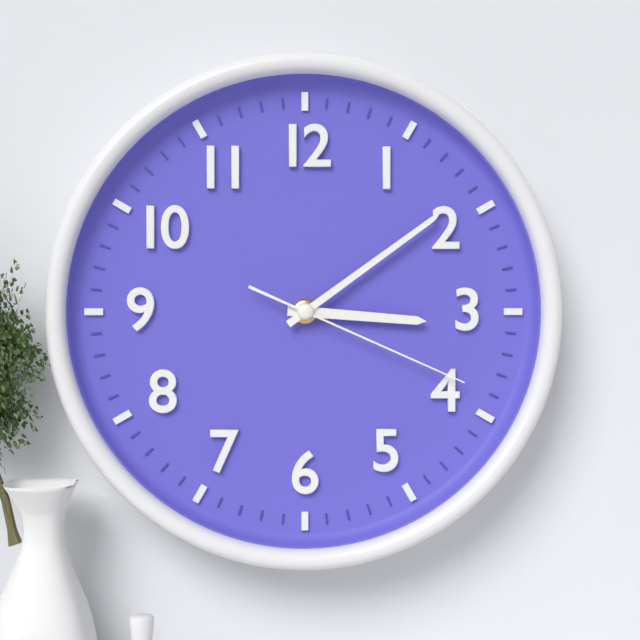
**3:09:19**
